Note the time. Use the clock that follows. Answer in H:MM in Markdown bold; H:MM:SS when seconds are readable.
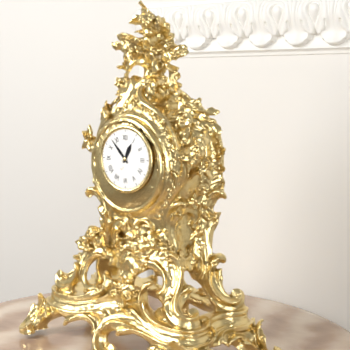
**12:53**
